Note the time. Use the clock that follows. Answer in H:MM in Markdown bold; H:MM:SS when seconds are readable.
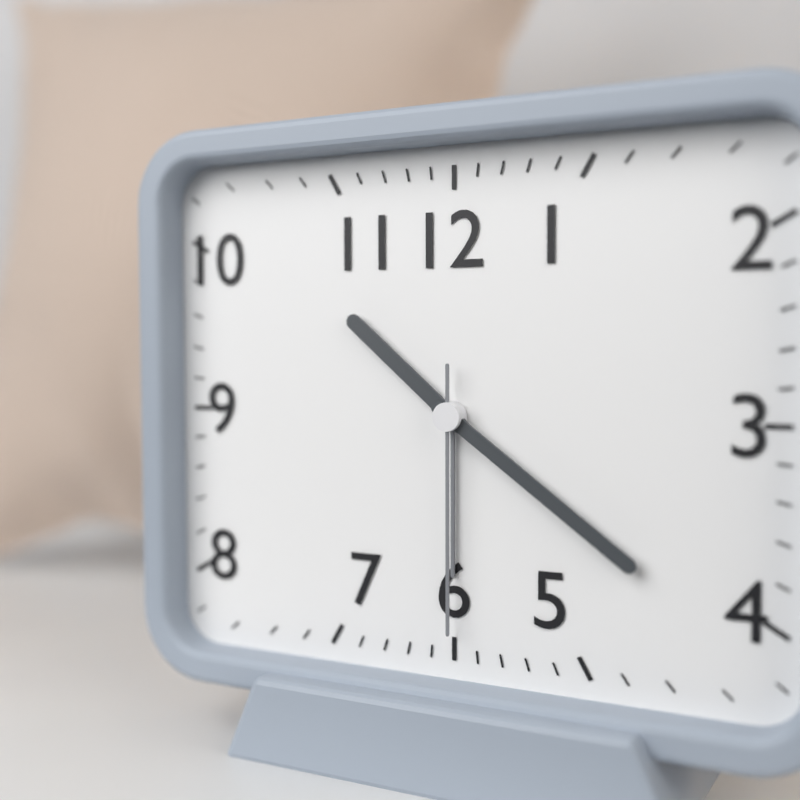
**10:21:30**
